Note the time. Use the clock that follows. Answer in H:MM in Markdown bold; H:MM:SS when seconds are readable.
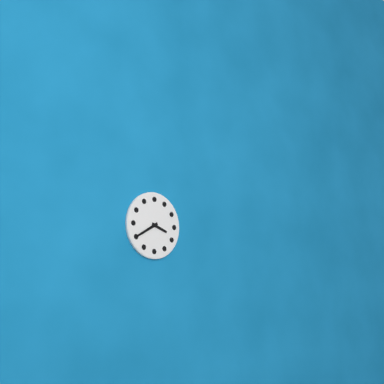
**3:40**
